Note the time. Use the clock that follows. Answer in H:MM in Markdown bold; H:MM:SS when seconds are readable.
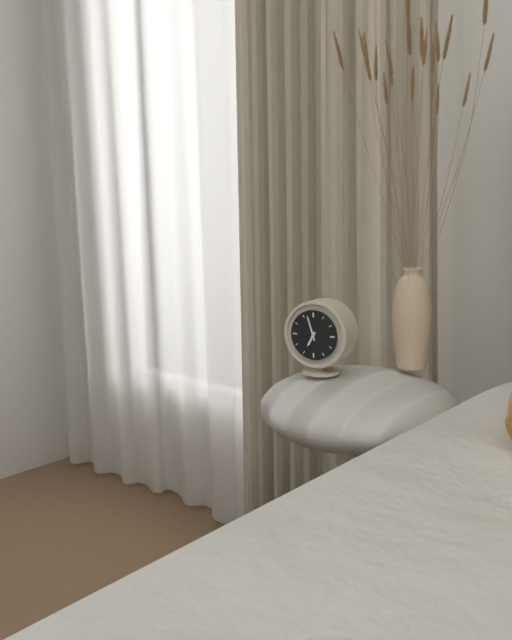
**6:57**
